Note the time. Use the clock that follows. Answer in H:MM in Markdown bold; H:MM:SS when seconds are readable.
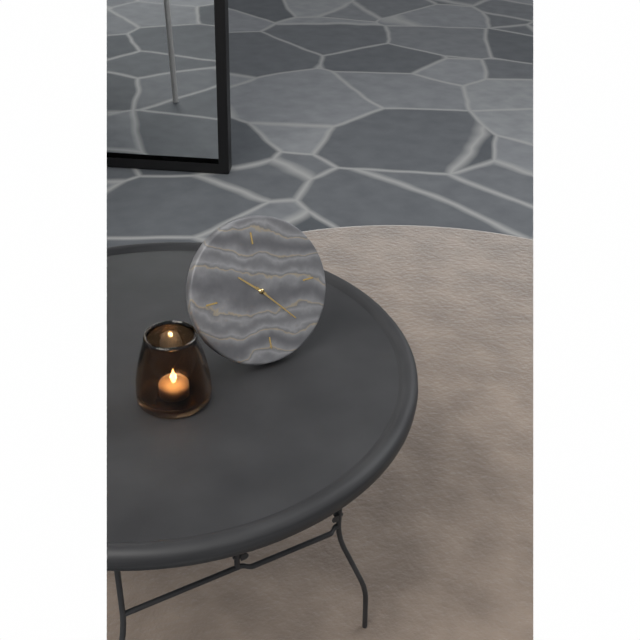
**10:23**
